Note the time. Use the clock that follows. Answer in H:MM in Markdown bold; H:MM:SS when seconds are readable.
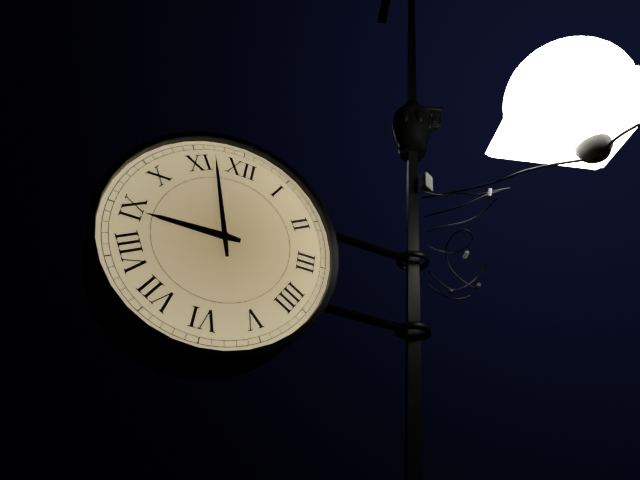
**8:57**
